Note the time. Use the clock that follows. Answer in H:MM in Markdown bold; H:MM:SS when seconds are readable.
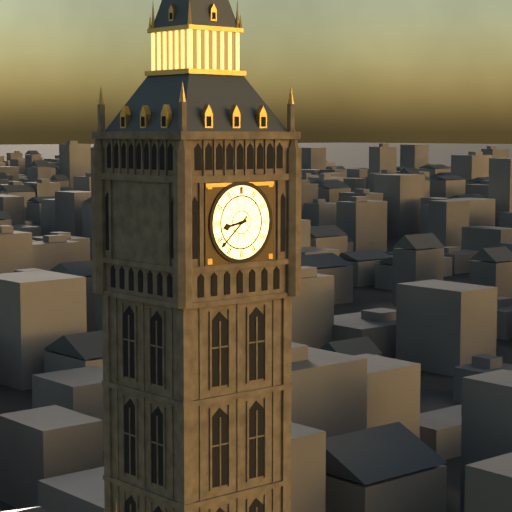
**8:38**
